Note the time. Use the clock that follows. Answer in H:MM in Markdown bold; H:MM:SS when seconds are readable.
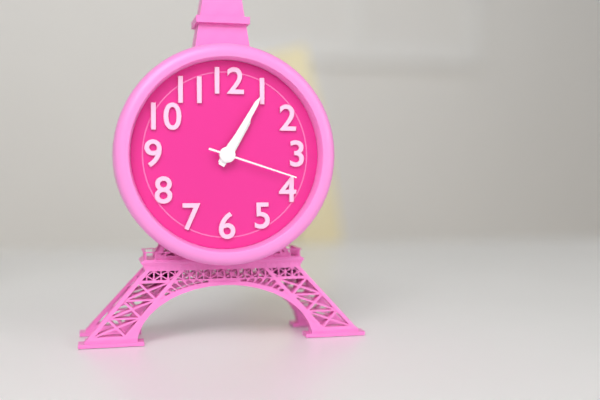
**1:05:18**
